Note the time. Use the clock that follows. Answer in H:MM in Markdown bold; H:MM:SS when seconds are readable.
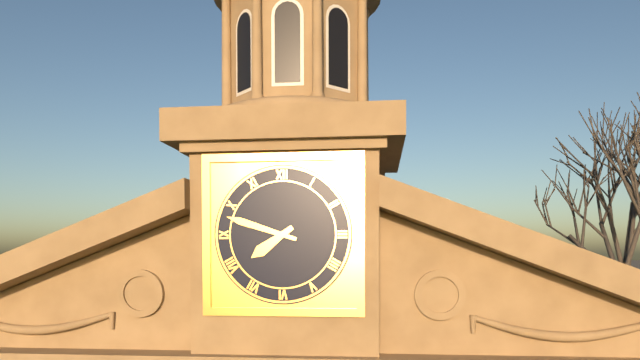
**7:48**
